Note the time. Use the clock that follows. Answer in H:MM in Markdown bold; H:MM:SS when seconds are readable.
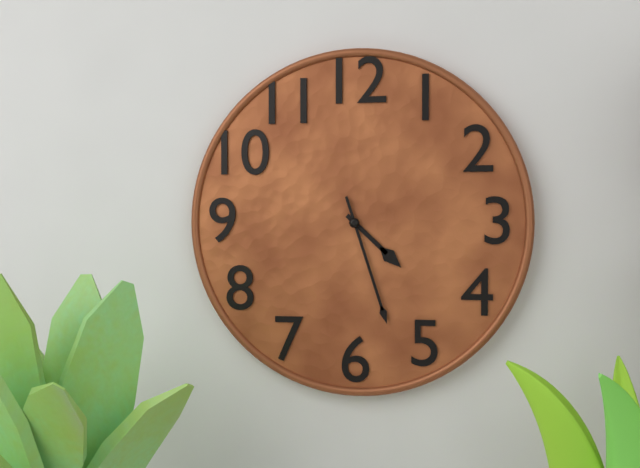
**4:27**
